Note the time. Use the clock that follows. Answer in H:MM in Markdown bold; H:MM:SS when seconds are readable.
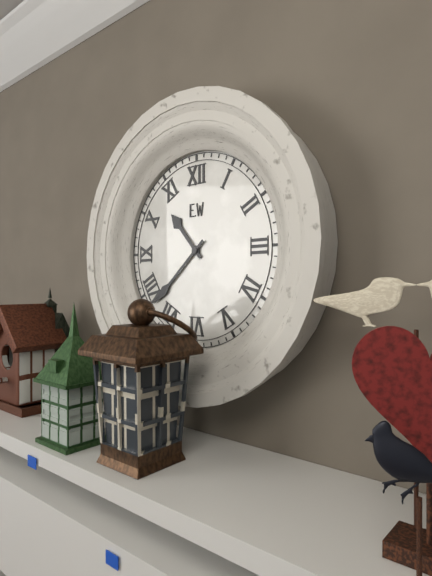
**10:38**
